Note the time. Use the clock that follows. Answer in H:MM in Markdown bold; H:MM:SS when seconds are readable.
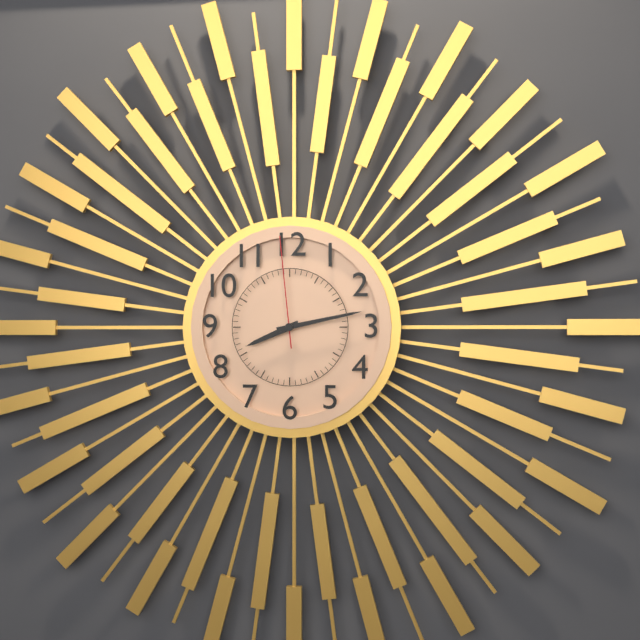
**8:13:59**
